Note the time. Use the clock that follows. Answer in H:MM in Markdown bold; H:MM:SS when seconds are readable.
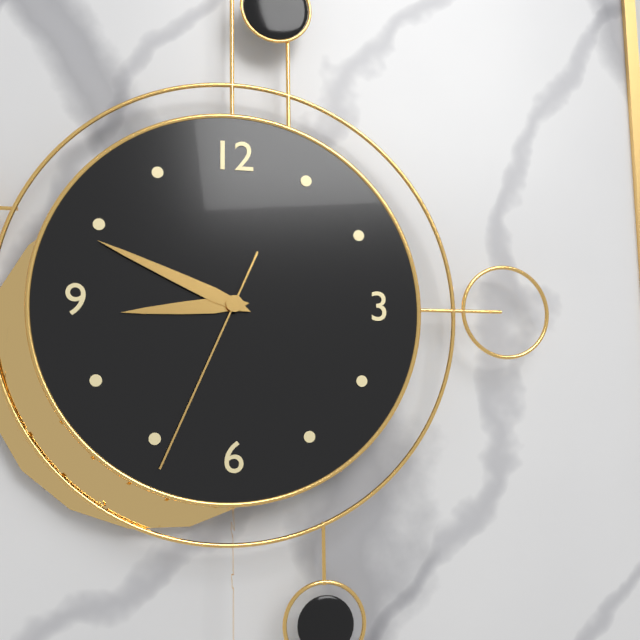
**8:49:34**
